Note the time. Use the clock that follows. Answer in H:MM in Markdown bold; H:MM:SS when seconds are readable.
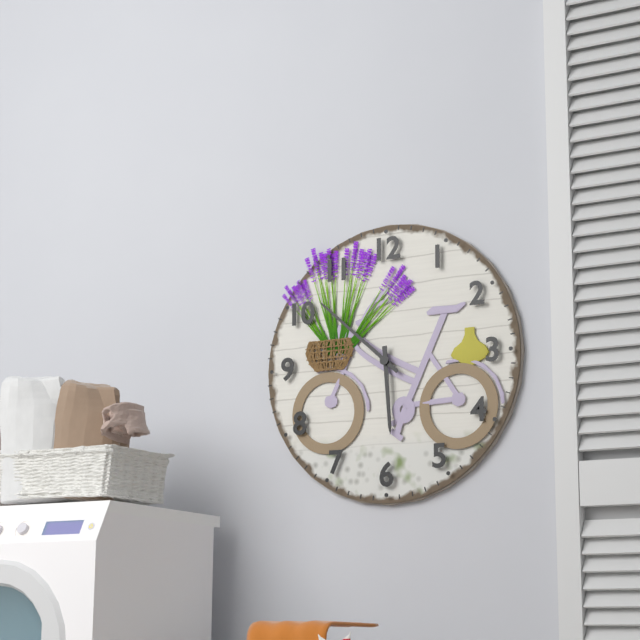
**5:52**
